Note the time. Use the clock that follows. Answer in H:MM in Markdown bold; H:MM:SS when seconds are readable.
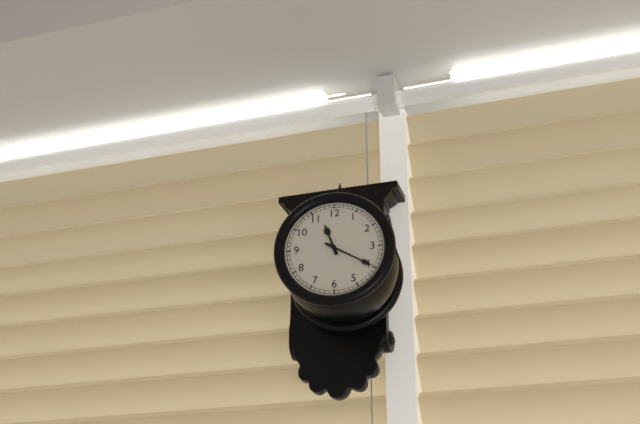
**11:20**
